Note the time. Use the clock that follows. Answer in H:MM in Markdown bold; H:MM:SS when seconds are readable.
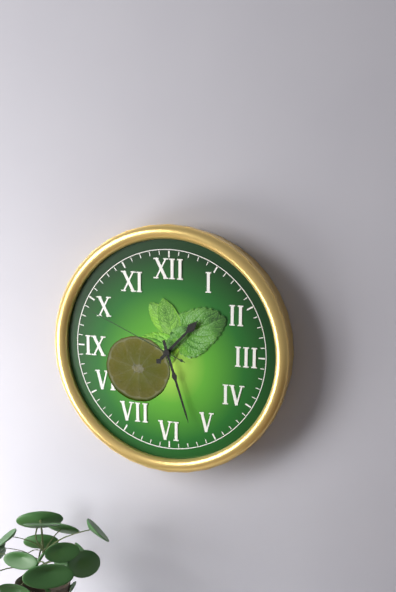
**1:27:49**
